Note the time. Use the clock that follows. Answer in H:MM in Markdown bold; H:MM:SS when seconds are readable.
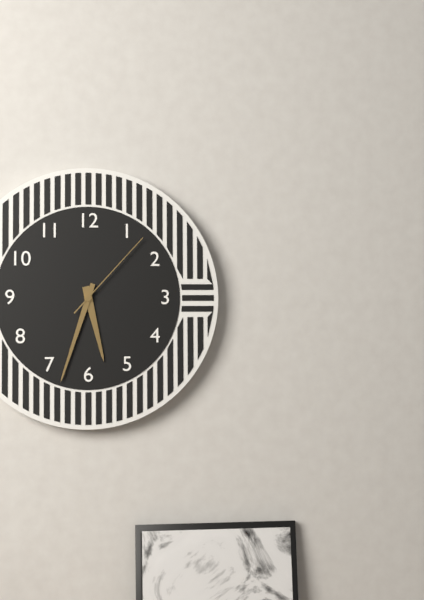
**5:33:07**
